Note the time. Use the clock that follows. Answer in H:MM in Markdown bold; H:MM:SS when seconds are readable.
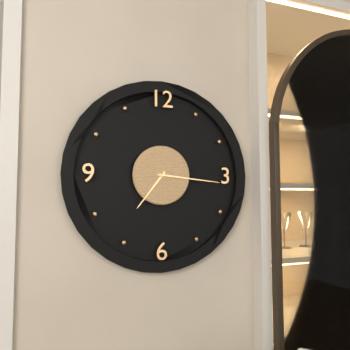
**7:16**
